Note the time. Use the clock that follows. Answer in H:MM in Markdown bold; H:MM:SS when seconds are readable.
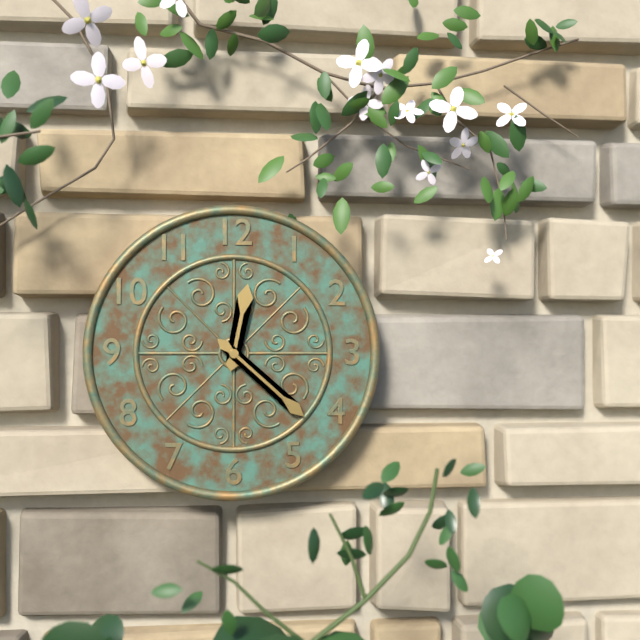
**12:22**
